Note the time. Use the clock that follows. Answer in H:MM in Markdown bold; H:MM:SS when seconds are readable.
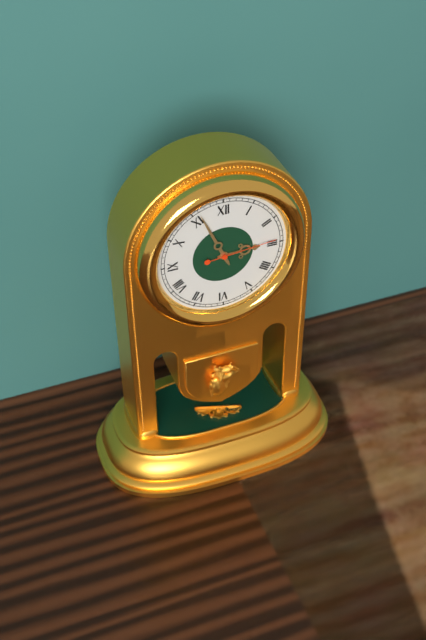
**2:56:14**
